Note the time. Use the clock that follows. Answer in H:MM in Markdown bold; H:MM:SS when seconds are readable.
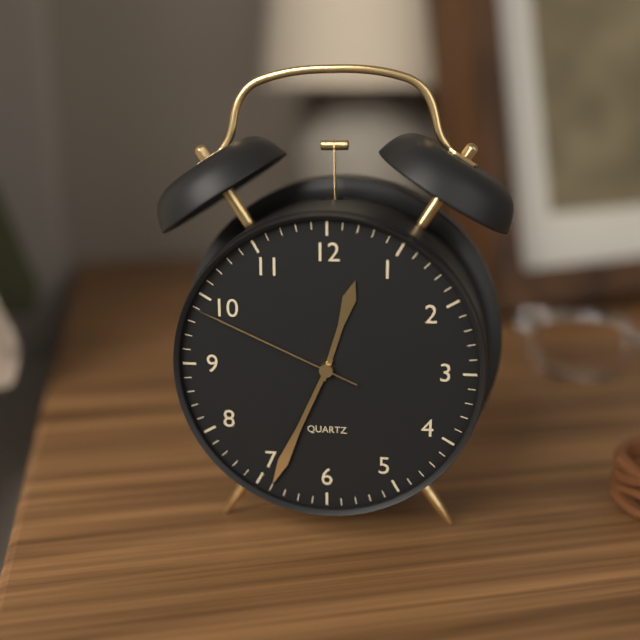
**12:34:49**
